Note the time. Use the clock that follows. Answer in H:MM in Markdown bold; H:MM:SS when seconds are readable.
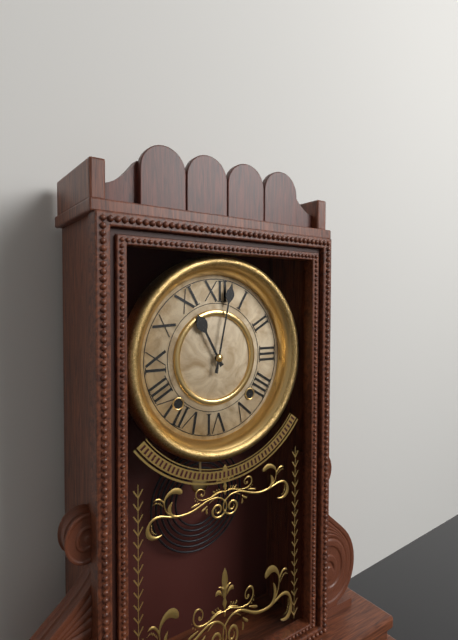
**11:02**
